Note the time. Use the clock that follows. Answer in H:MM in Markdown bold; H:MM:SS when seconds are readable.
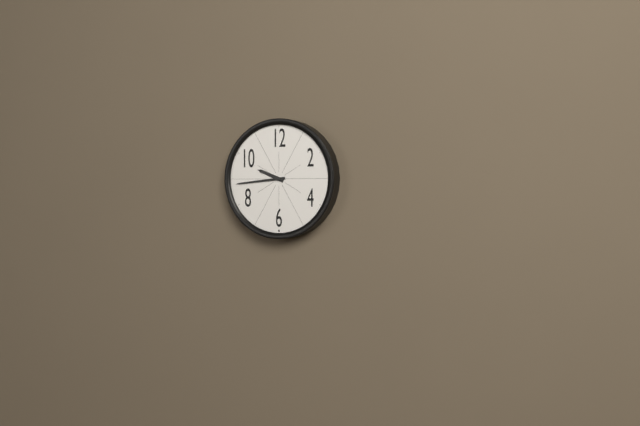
**9:44**
